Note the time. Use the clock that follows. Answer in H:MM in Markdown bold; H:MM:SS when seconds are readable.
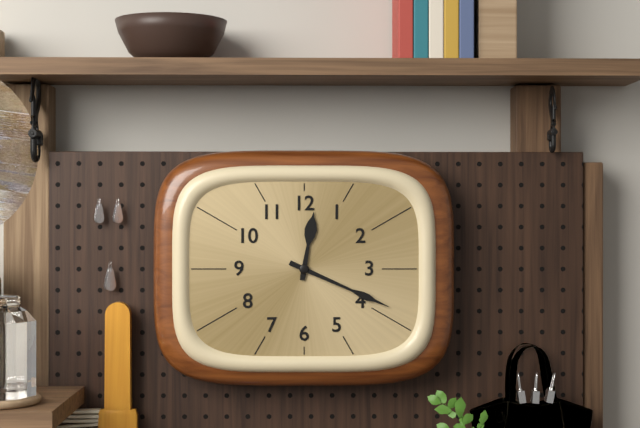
**12:19**
